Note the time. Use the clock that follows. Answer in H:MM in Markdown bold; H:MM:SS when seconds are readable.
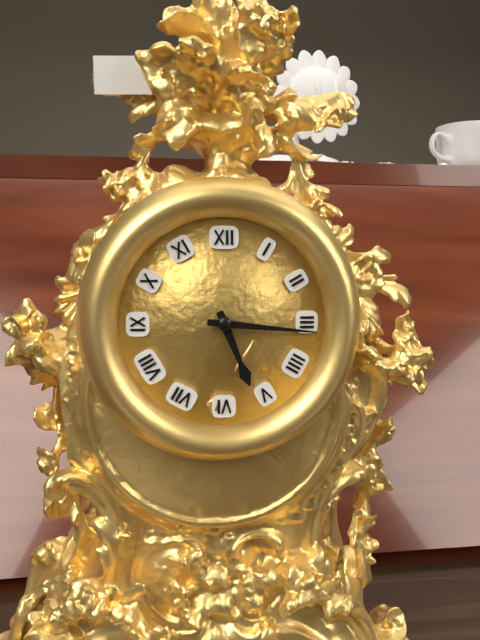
**5:16**
